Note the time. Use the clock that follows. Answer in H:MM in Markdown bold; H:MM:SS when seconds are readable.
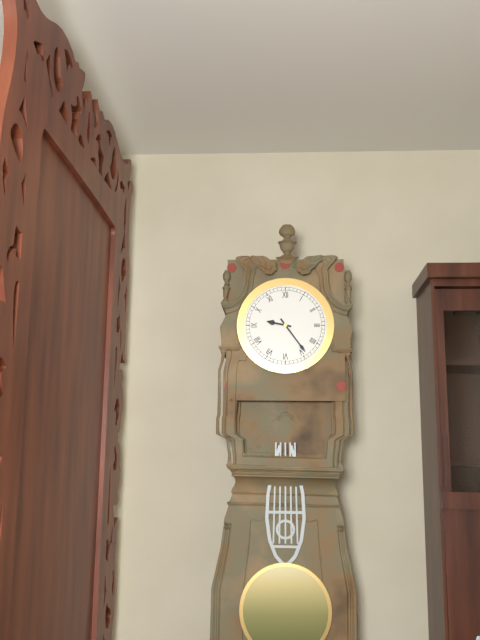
**9:24**
